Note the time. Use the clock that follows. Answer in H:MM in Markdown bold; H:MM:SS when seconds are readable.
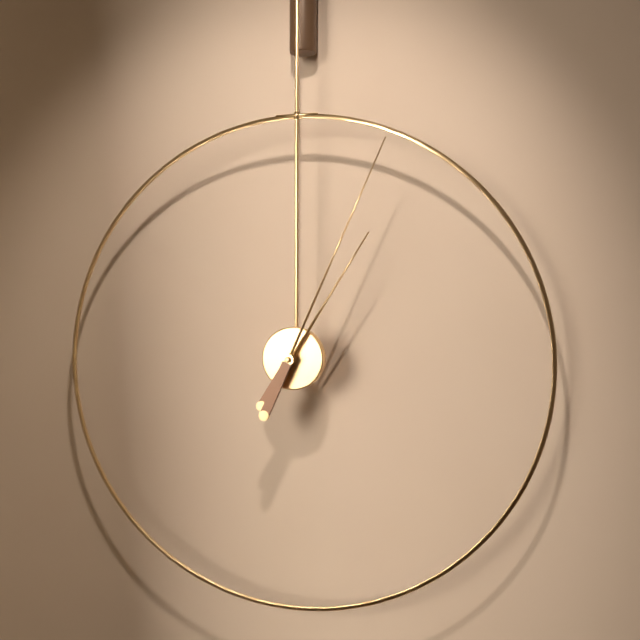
**1:04**
